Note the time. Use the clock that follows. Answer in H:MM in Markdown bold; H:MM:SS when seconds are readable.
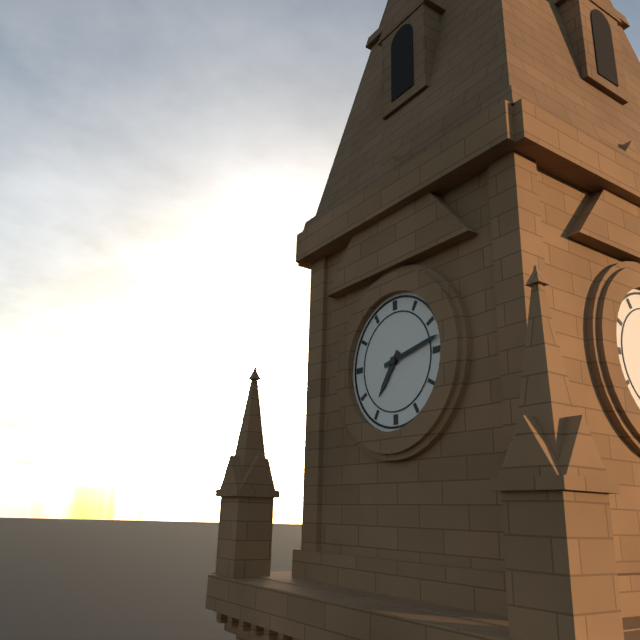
**7:13**
